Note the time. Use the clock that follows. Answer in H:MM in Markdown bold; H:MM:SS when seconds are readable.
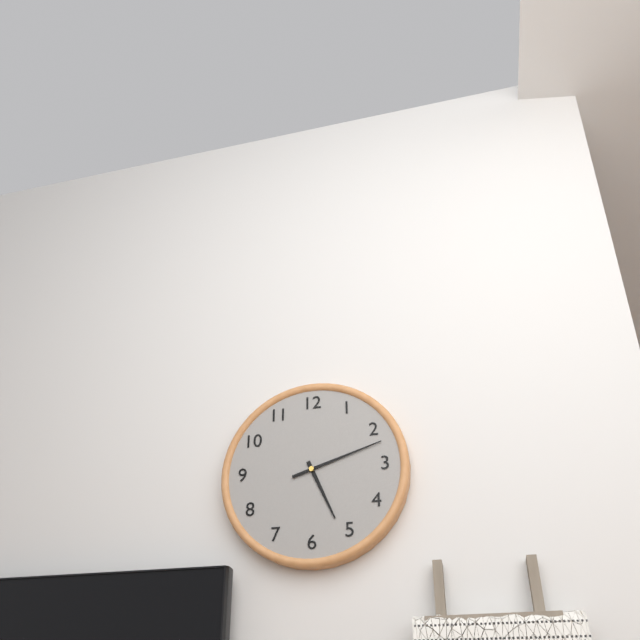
**5:12**
